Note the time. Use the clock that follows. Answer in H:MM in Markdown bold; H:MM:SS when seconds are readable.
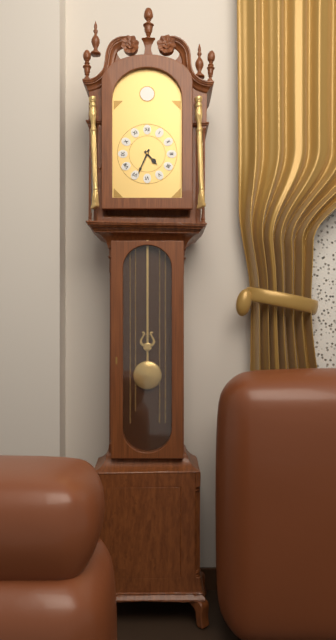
**4:34**
